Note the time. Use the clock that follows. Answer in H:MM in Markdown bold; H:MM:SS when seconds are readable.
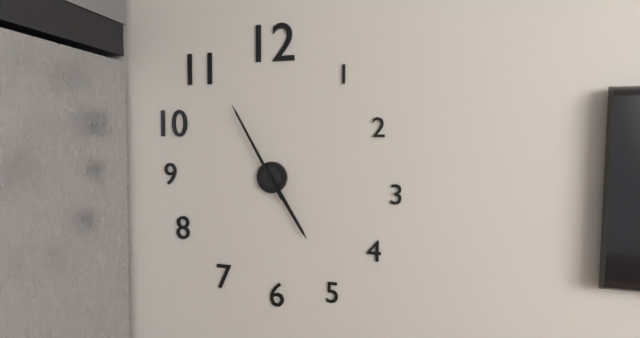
**4:55**
